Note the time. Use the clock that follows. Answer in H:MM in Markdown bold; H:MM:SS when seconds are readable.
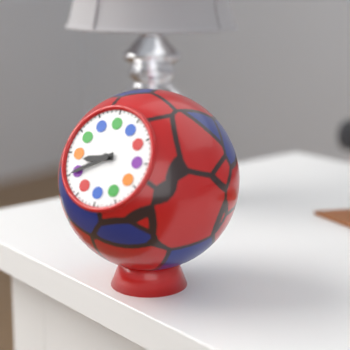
**8:40**
